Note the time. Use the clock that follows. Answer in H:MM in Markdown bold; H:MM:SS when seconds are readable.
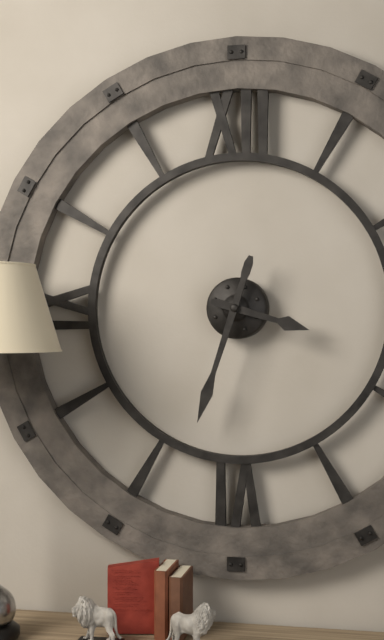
**3:33**
